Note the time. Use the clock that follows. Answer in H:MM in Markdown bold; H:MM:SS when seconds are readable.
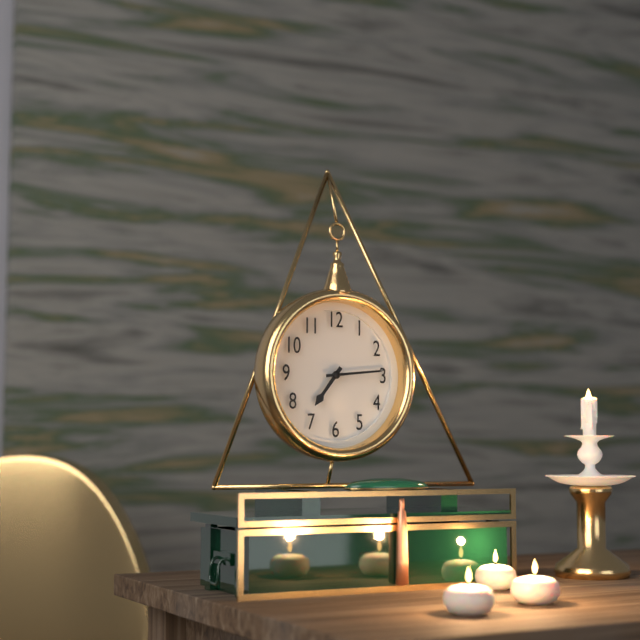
**7:14**
